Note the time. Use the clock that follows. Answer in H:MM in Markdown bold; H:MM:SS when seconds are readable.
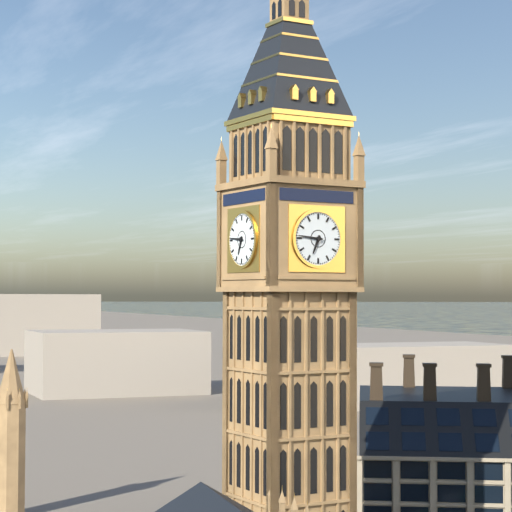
**6:46**
